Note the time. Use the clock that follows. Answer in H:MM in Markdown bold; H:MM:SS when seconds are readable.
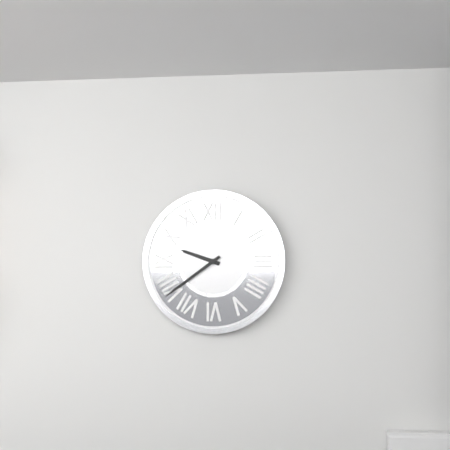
**9:39**
